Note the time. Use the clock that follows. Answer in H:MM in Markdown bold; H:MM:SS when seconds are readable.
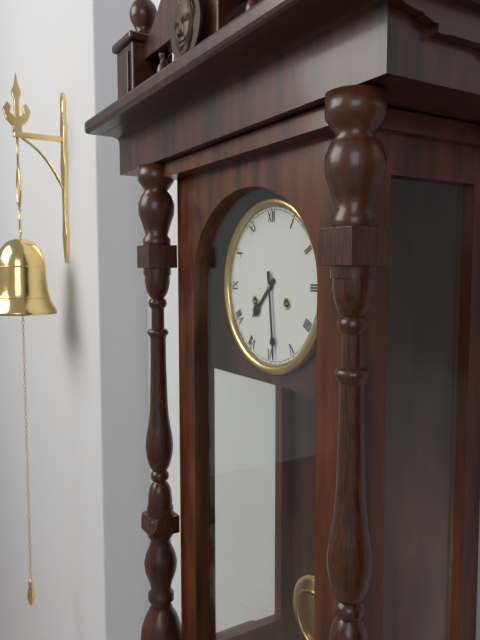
**7:29**
